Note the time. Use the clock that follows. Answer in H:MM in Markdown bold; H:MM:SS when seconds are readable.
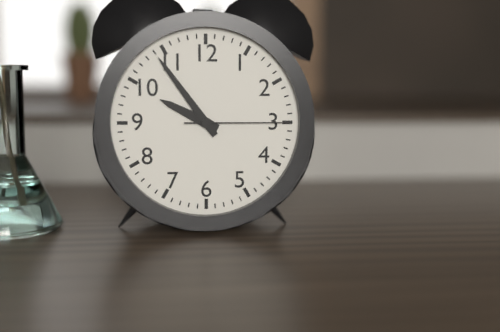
**9:54:15**
